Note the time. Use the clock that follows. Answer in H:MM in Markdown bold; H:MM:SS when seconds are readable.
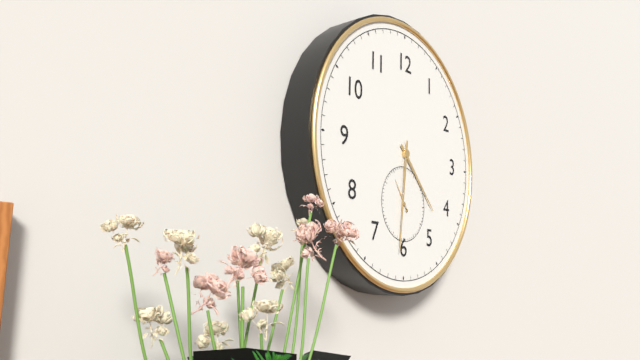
**4:31**
